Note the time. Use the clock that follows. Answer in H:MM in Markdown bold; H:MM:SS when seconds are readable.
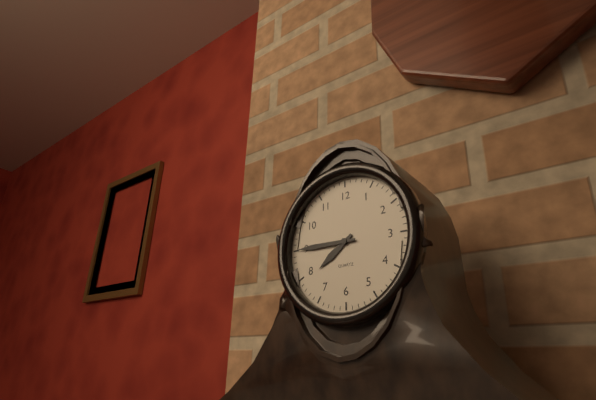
**7:45**
